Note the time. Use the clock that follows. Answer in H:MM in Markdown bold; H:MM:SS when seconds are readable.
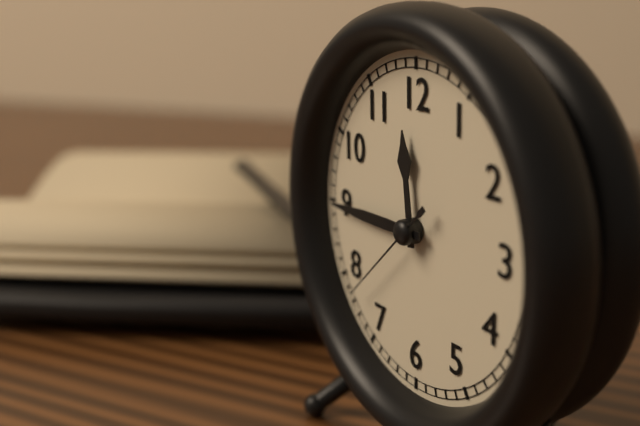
**11:45:38**
